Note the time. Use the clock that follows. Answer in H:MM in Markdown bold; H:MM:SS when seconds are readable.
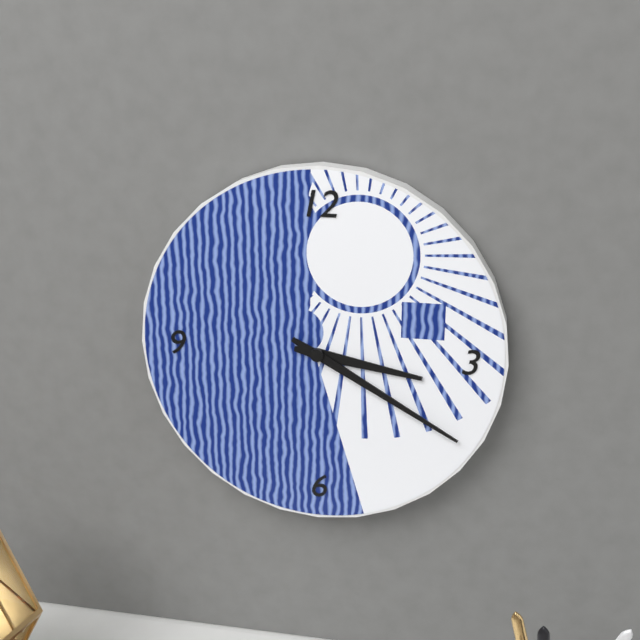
**3:20**
